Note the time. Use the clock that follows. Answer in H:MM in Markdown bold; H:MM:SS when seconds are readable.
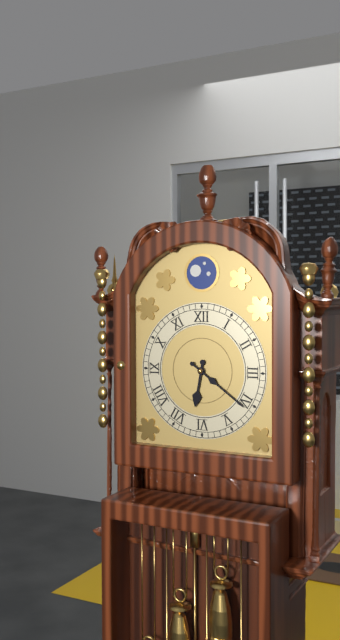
**6:21**
